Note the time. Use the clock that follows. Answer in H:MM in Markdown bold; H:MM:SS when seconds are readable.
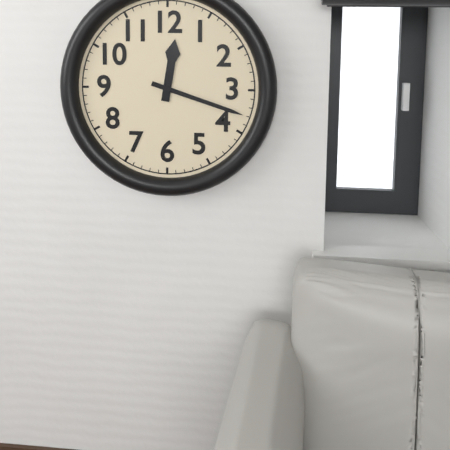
**12:18**
